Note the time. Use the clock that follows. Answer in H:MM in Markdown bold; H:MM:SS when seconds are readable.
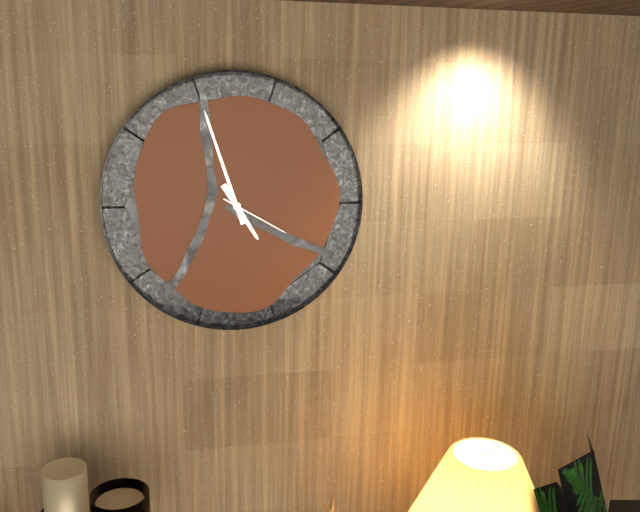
**4:57:20**
